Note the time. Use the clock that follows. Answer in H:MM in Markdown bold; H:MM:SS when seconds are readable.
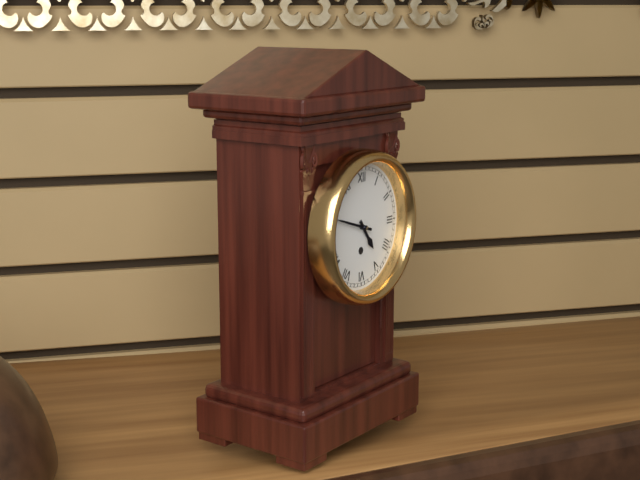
**4:48**
